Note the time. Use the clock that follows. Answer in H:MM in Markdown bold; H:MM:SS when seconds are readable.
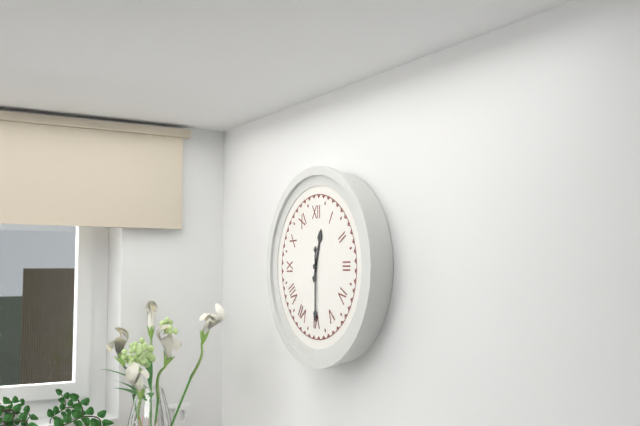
**12:30**
